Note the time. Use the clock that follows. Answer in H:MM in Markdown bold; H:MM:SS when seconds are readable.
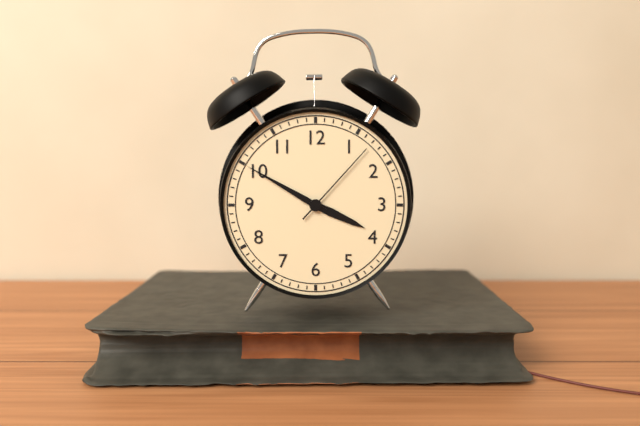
**3:50:07**
